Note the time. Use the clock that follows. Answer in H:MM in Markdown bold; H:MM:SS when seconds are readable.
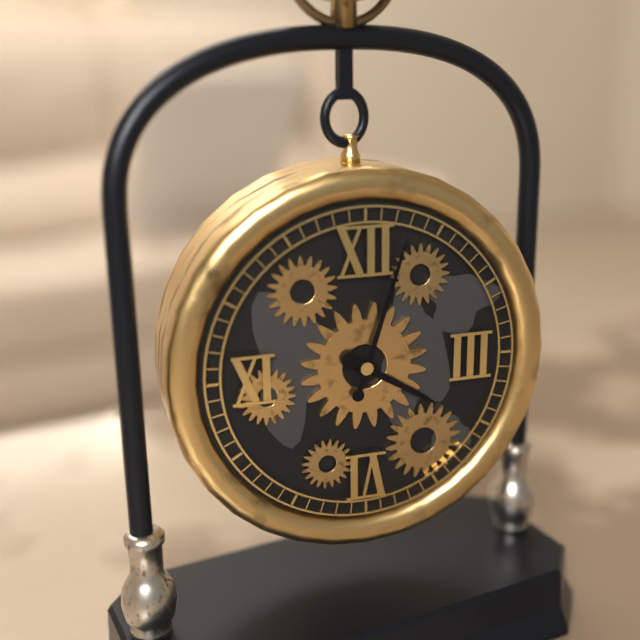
**4:03**
